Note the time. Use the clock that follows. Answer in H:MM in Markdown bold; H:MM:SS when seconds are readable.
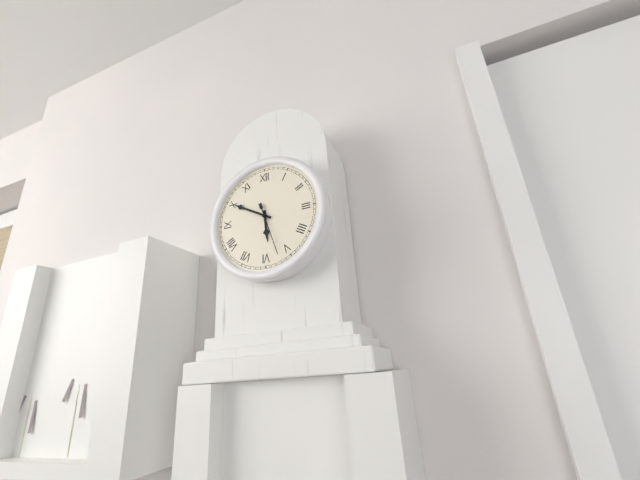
**5:50:27**
